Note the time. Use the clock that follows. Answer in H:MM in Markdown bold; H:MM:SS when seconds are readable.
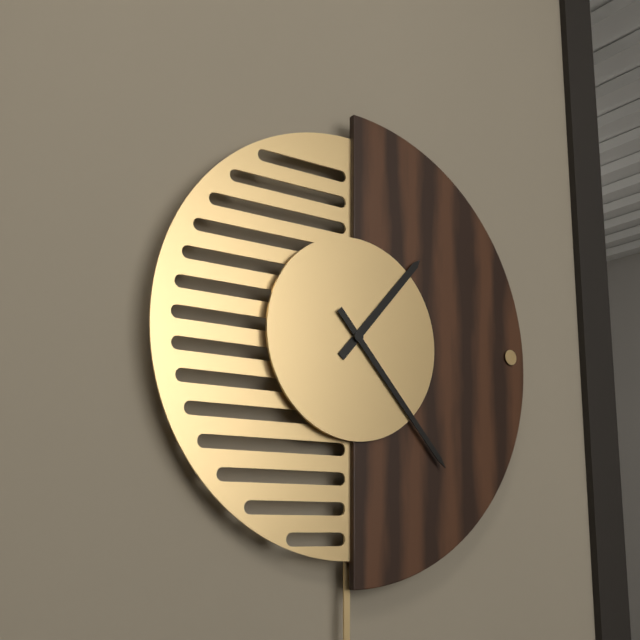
**1:23**
